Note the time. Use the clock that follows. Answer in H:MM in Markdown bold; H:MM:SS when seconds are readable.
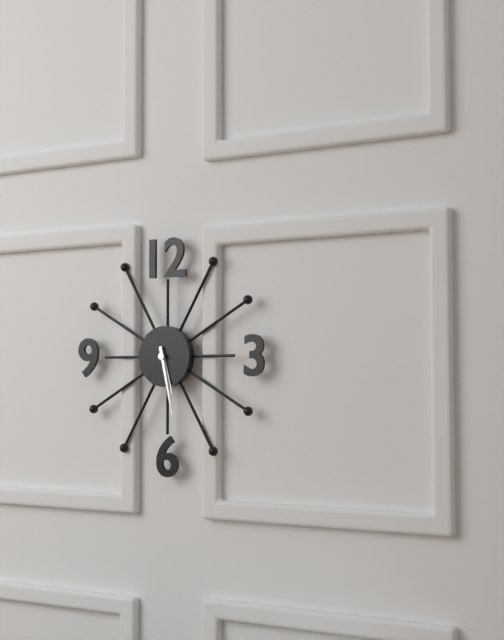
**5:28**
